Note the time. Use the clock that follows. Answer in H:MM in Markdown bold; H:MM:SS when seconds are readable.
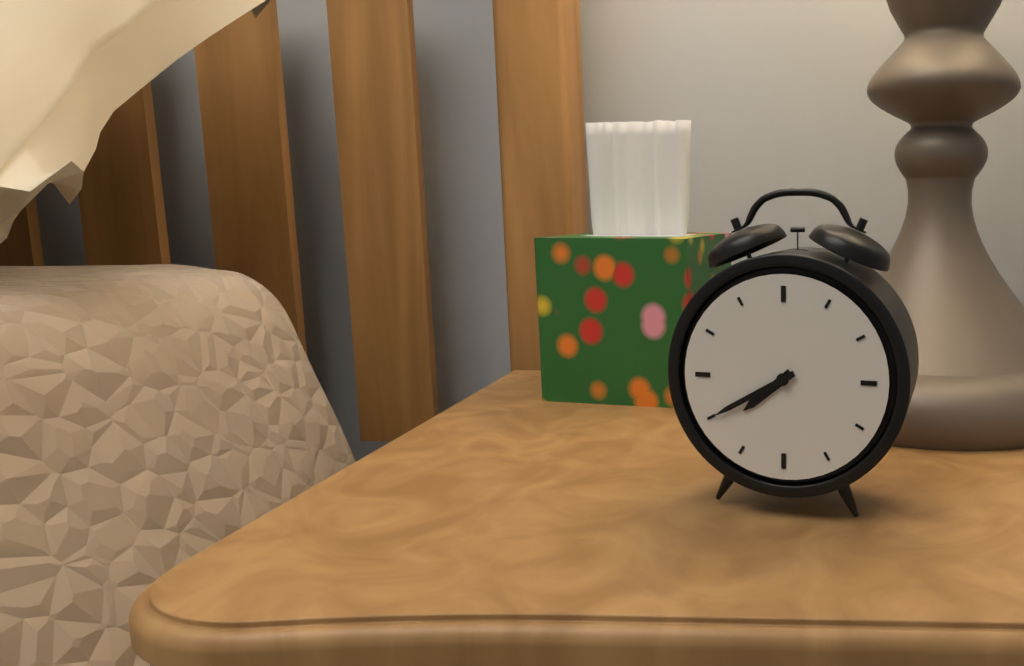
**7:40**
